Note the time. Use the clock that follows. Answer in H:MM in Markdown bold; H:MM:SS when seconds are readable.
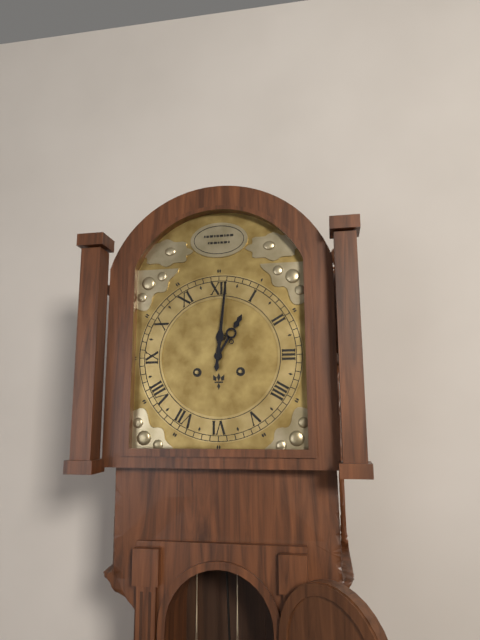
**1:01**
